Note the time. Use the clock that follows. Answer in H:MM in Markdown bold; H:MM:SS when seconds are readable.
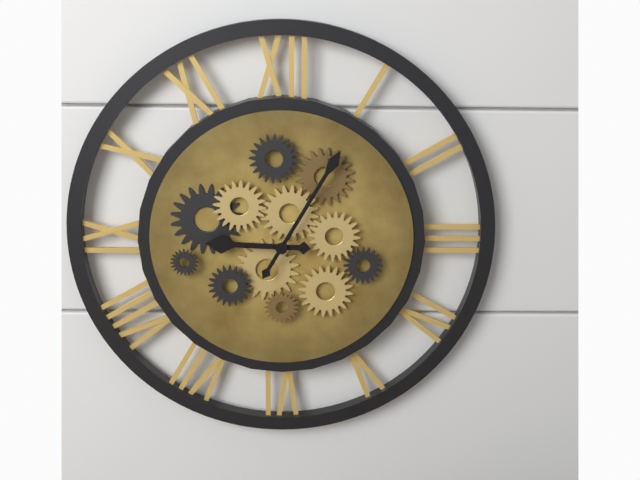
**9:05**
